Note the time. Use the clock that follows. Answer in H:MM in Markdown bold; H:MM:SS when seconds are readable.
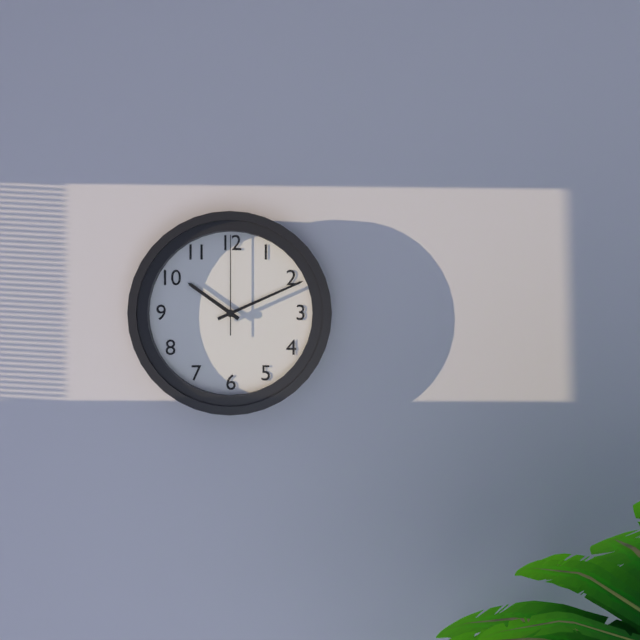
**10:11:00**
